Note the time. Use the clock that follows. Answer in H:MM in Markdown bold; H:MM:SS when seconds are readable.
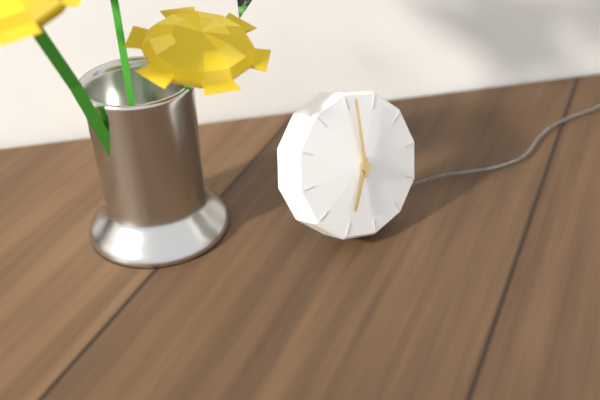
**7:01**
